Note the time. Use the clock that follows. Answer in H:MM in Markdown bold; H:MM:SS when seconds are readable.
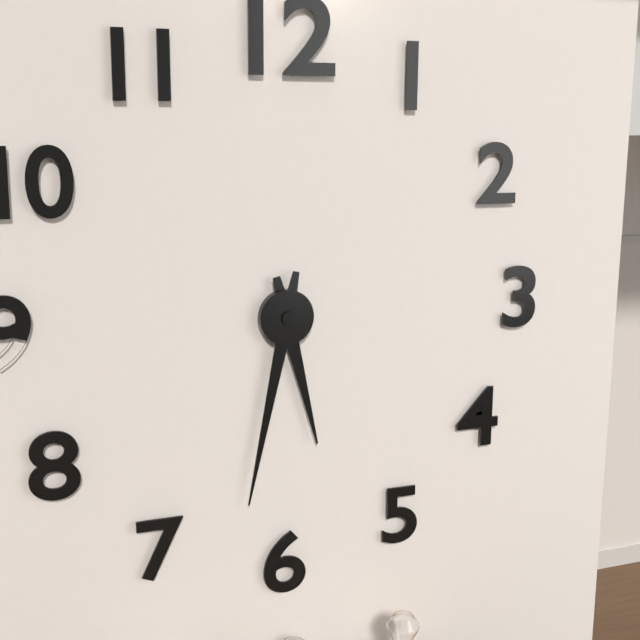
**5:32**
